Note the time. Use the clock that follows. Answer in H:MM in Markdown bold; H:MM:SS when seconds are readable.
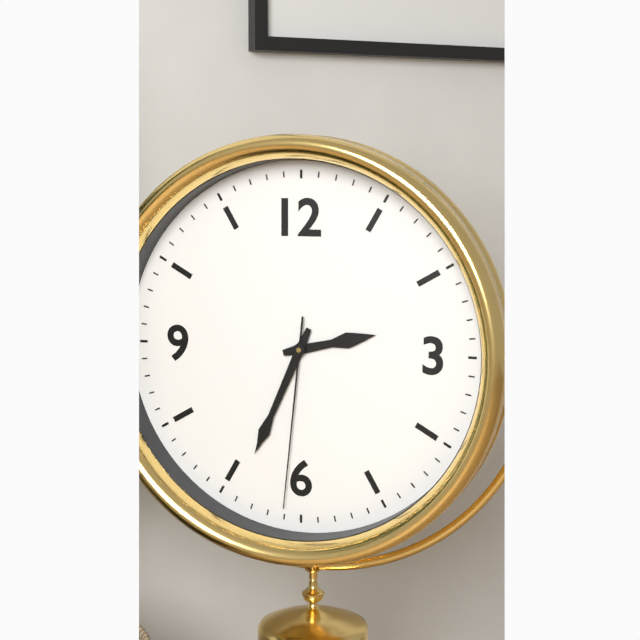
**2:34:31**
